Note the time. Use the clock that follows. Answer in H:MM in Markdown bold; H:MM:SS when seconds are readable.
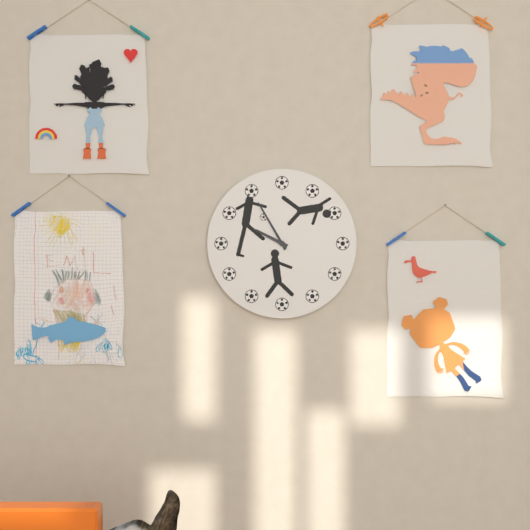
**9:55**
